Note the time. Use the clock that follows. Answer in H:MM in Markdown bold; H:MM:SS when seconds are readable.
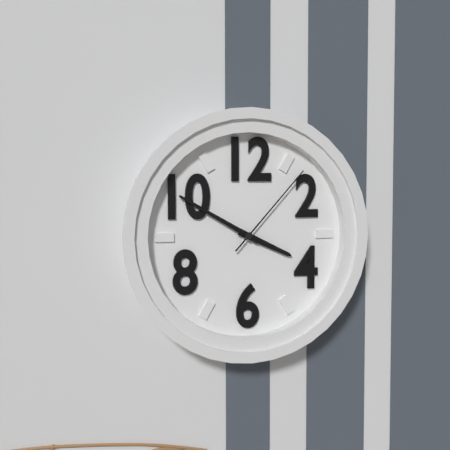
**3:50:07**
